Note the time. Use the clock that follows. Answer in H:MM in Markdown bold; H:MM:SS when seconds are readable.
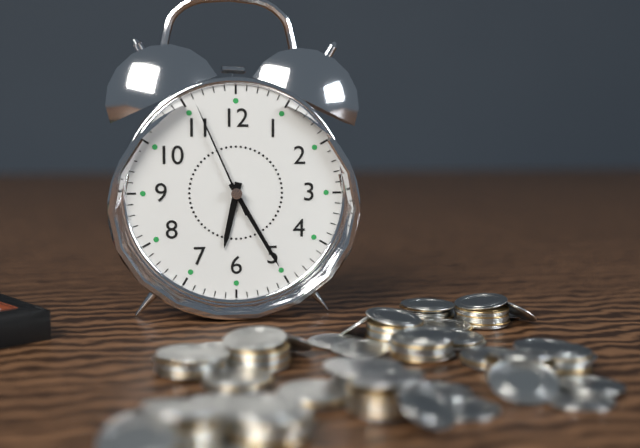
**6:25:56**
